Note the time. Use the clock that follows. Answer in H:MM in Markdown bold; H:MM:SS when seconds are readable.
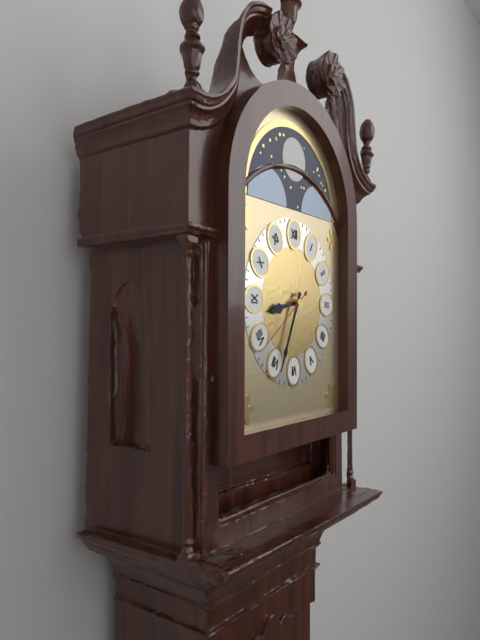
**8:34:39**
